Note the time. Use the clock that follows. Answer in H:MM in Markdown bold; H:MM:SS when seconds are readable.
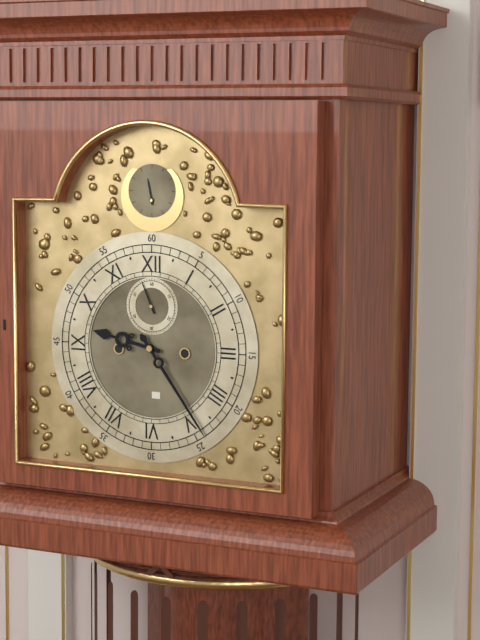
**9:24**
